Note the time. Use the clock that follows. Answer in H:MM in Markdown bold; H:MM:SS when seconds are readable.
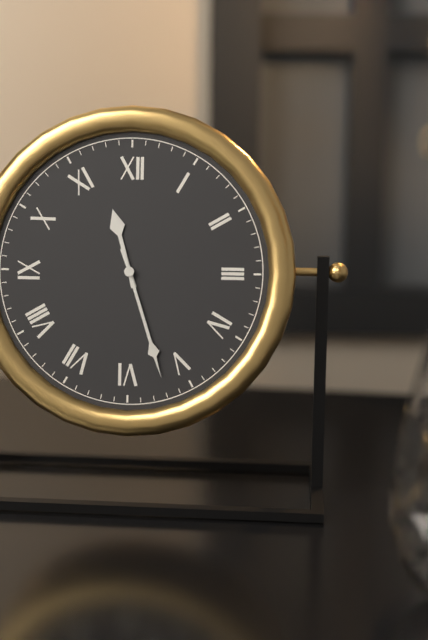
**11:27**
